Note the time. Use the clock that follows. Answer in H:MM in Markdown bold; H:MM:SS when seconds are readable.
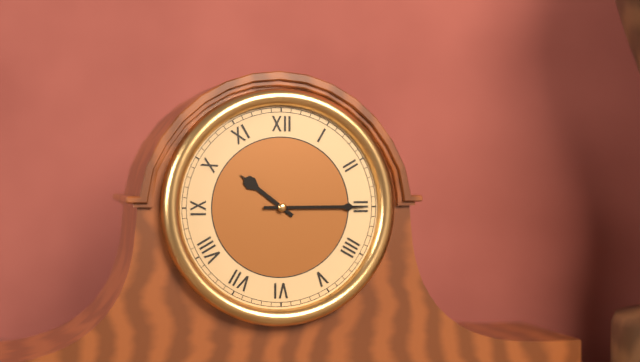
**10:15**
